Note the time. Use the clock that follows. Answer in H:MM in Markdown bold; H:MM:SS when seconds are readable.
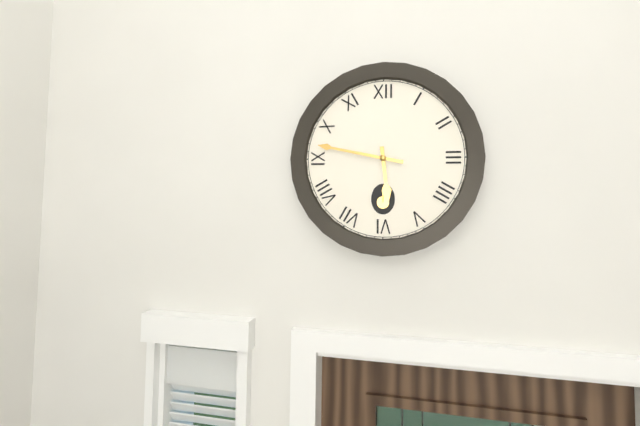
**5:47**
